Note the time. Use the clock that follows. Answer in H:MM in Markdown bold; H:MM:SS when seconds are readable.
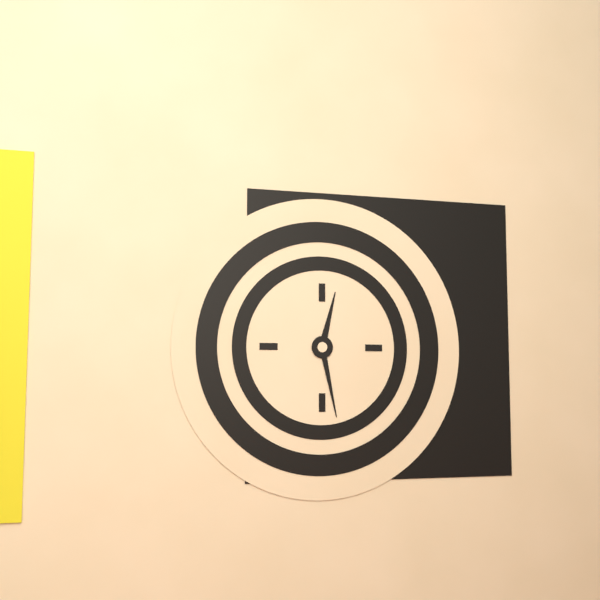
**12:28**
